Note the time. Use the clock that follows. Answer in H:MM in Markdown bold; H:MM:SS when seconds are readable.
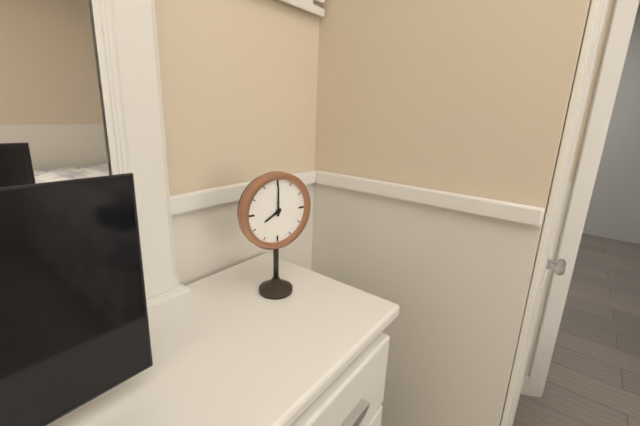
**8:00**
